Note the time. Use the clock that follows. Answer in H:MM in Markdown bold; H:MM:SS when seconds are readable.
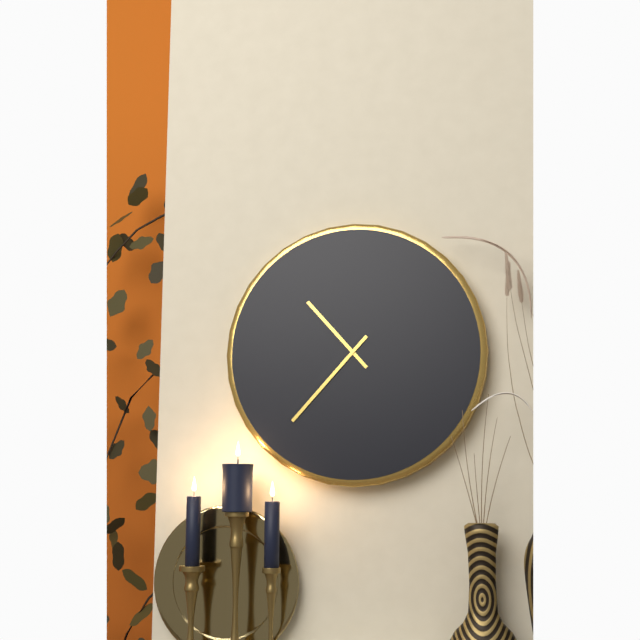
**10:37**
